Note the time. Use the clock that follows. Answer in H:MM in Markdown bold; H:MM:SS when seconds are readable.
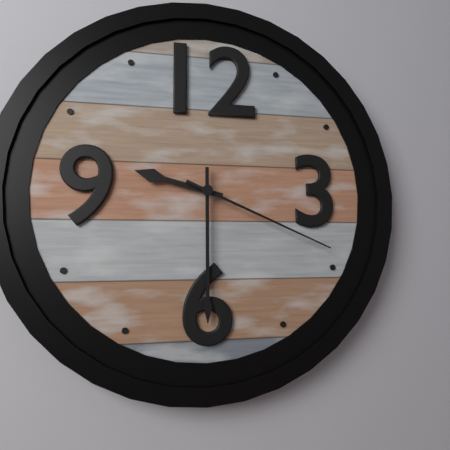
**9:30:19**
